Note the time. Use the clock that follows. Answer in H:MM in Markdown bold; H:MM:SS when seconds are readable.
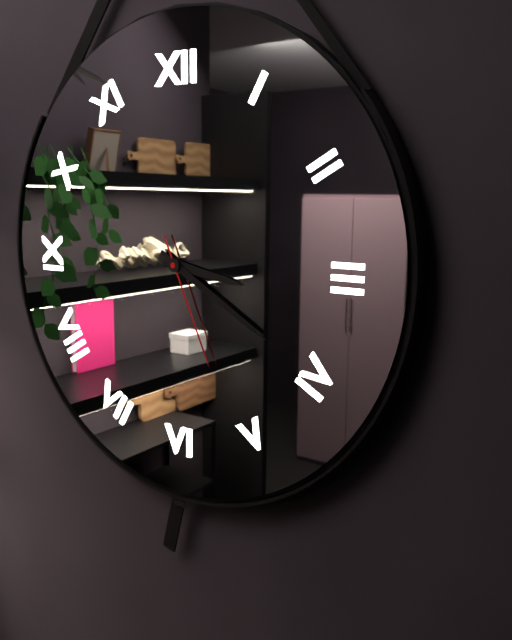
**3:20:26**
